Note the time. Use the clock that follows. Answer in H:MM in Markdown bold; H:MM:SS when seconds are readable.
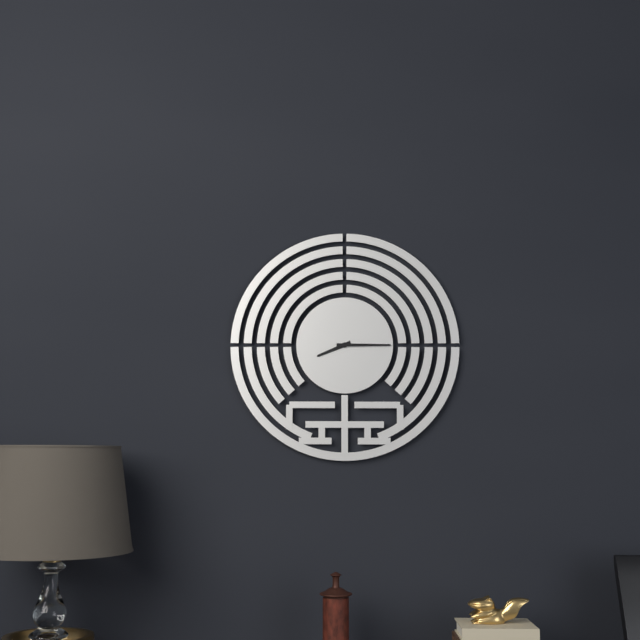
**8:15**
